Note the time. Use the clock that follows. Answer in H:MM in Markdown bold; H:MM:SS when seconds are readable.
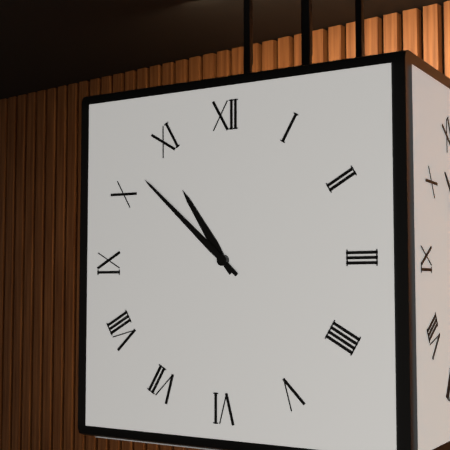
**10:52**
